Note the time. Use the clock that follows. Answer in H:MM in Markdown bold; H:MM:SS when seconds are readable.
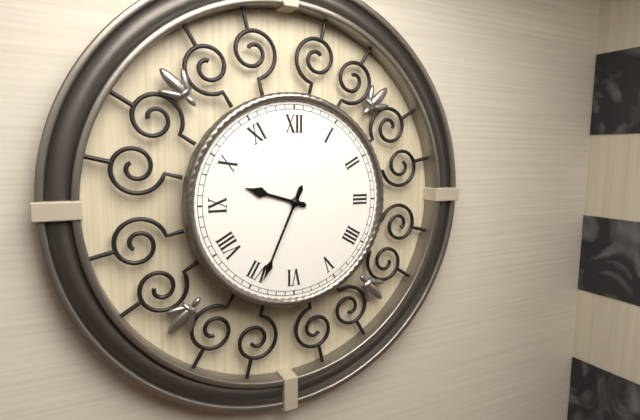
**9:34**
